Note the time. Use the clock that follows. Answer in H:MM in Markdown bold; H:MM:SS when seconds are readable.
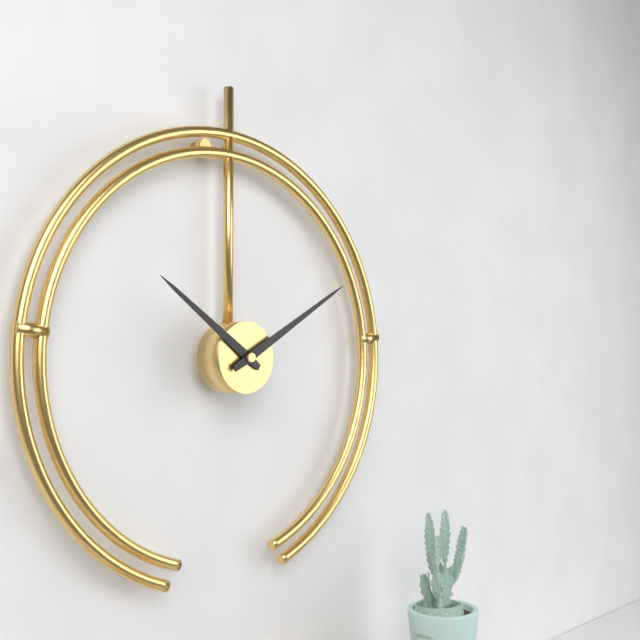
**10:10**
